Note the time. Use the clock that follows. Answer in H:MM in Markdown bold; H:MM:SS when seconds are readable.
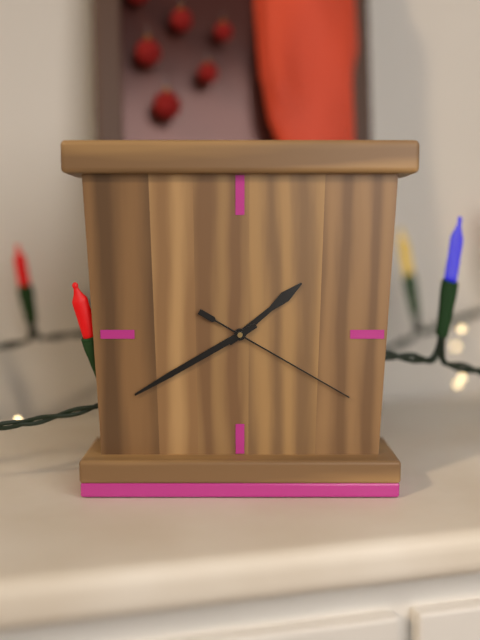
**1:40:20**
